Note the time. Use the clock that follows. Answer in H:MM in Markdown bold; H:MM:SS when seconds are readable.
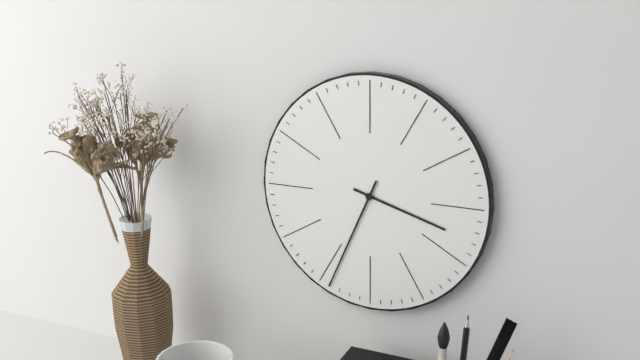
**3:34**
